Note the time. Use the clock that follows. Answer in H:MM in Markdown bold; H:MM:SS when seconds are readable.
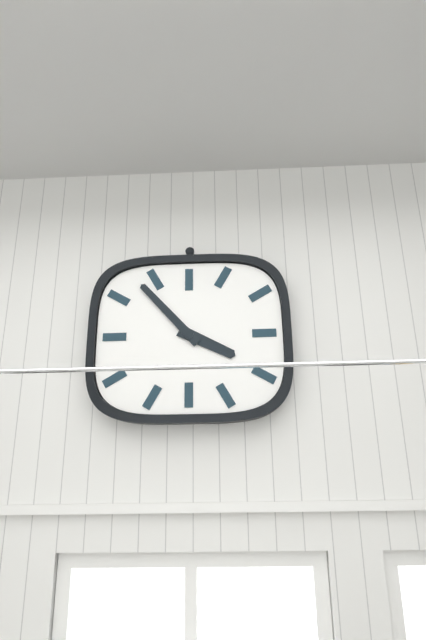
**3:53**
